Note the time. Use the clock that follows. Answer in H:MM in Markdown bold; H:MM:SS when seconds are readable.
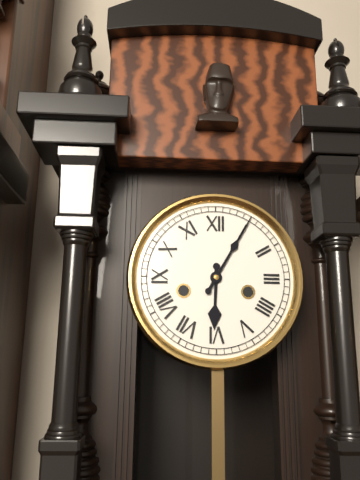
**6:05**
